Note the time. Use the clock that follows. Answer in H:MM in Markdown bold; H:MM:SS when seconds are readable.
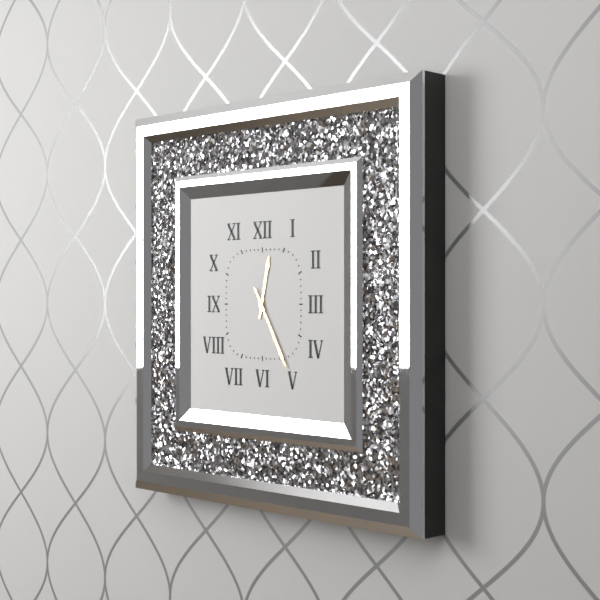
**12:25**
